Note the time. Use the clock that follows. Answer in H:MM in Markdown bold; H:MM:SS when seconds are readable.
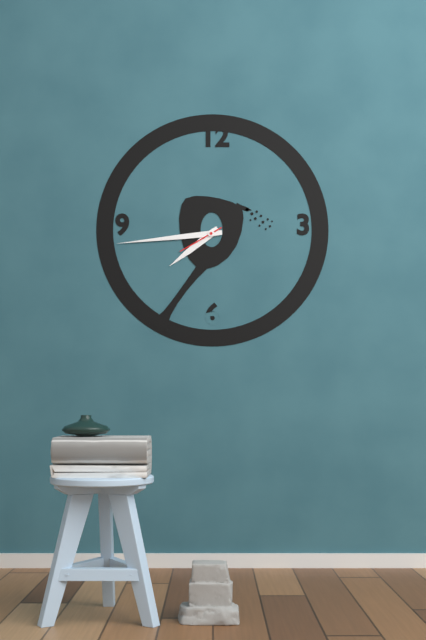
**7:44**
